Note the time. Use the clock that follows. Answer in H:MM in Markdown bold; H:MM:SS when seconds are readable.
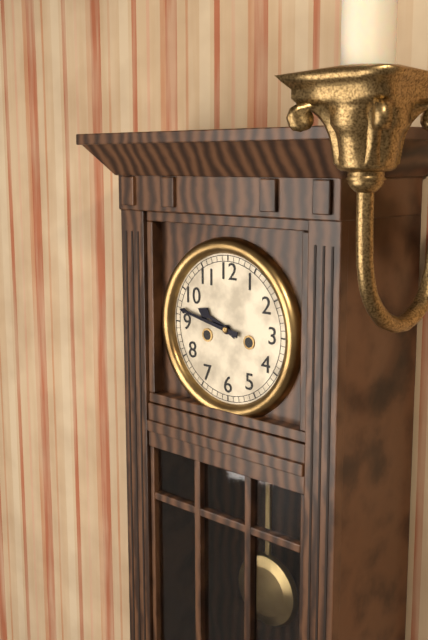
**9:47**
